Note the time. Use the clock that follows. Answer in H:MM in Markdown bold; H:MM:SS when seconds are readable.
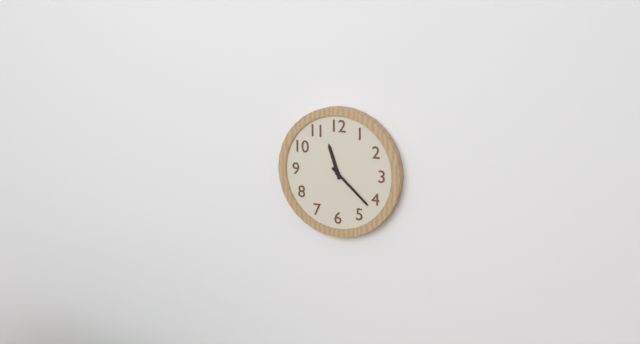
**11:22**
